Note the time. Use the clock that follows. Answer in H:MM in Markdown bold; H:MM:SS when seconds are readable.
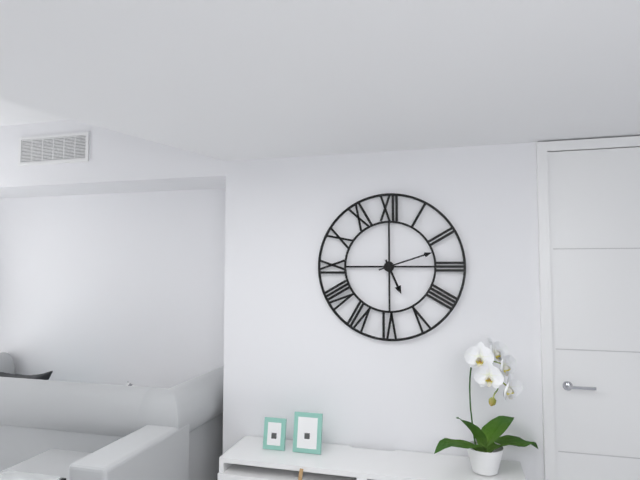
**5:12**
